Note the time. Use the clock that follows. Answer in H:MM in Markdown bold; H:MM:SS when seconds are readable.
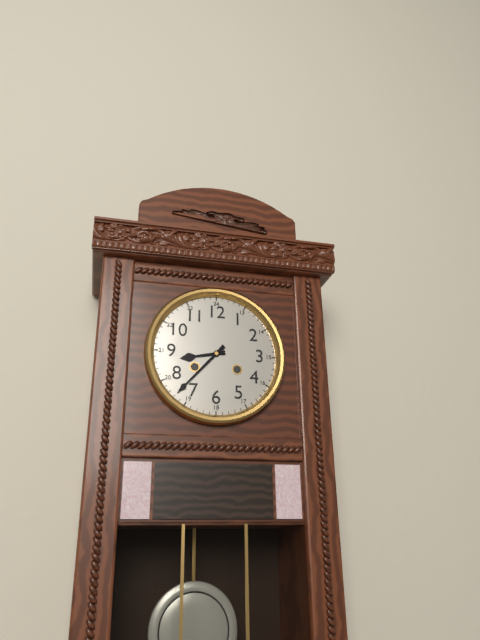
**8:37**
